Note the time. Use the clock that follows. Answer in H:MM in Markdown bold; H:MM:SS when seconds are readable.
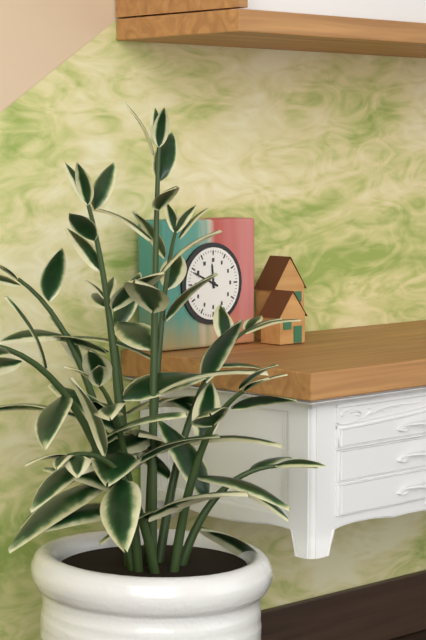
**11:49**
